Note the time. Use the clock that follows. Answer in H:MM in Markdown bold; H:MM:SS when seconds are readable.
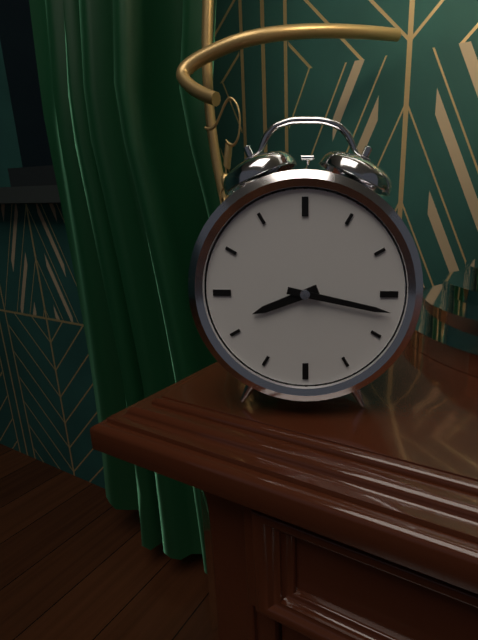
**8:17**
